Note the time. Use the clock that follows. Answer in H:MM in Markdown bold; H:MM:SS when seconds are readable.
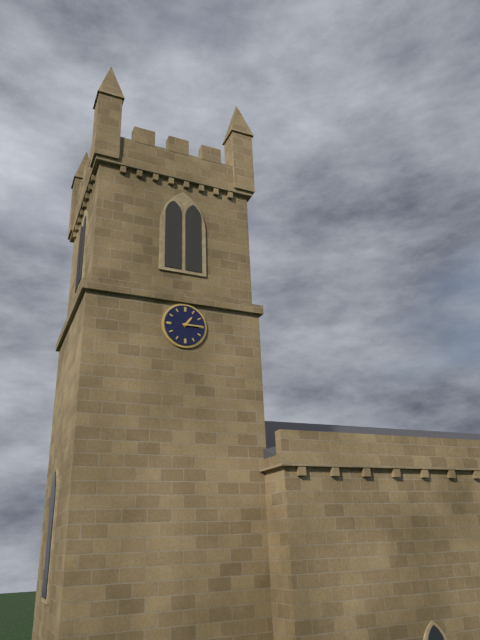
**1:15**
